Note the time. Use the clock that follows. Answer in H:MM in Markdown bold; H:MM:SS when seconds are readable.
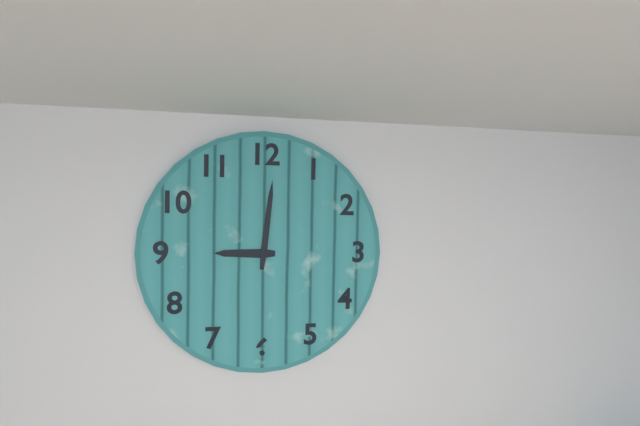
**9:01**
